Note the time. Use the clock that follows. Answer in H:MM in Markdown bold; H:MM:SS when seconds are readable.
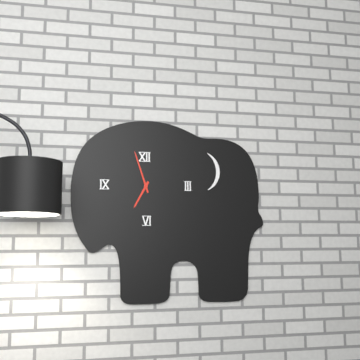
**6:57**
